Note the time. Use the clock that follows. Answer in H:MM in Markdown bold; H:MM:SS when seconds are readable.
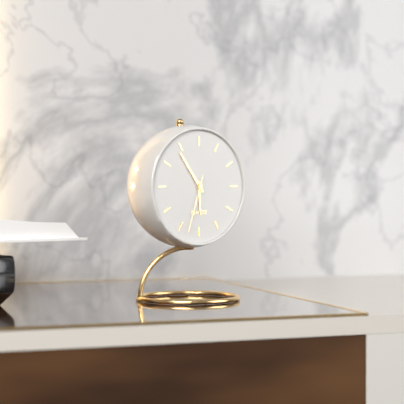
**5:54:33**
